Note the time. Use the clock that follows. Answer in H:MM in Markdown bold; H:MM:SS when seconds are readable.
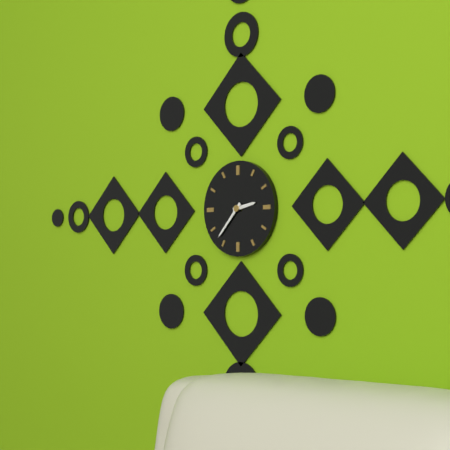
**2:37**
